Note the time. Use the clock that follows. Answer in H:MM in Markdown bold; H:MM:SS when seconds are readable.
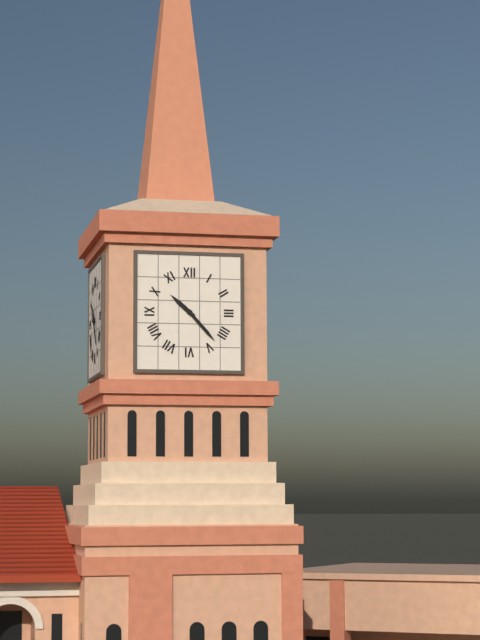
**10:23**
